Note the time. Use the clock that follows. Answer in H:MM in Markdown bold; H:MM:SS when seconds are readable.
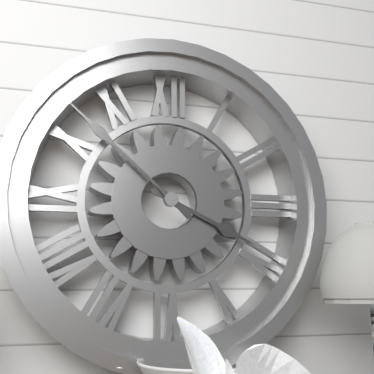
**3:52**
